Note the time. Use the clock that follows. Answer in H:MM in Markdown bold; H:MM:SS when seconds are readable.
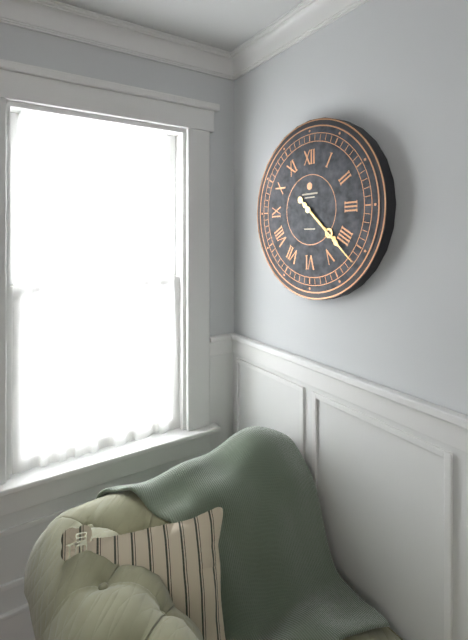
**4:22**
